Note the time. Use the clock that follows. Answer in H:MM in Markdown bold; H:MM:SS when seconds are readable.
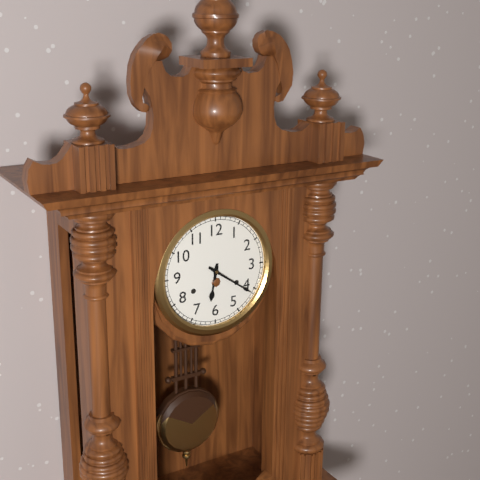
**6:21**
